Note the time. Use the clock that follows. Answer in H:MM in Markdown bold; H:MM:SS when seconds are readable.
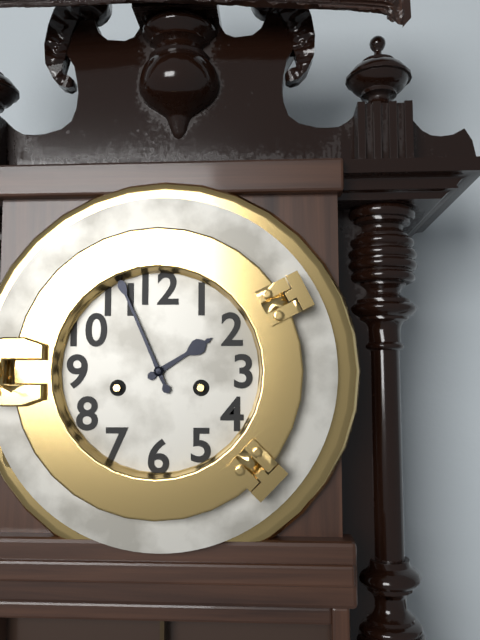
**1:56**
